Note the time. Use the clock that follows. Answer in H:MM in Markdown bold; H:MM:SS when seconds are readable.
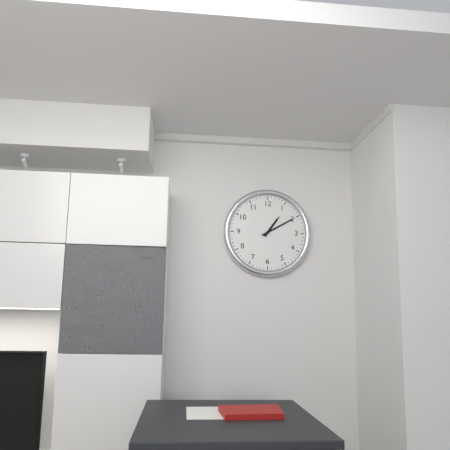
**1:10**
